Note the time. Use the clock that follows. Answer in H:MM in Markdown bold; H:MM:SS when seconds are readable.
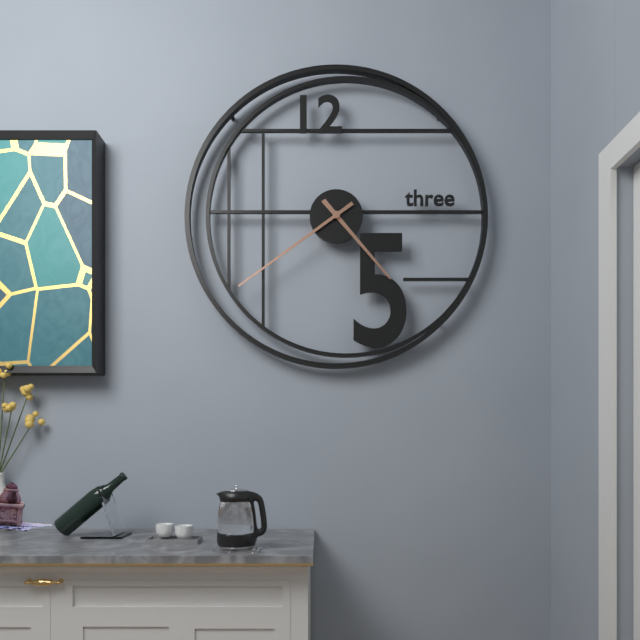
**4:39**
